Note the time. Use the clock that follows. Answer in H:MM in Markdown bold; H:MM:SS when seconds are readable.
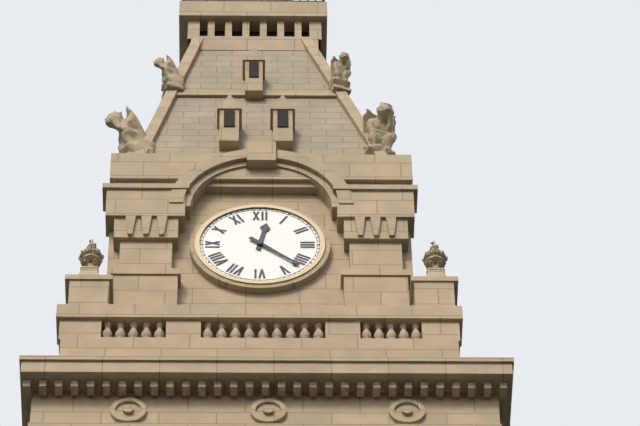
**12:22**
